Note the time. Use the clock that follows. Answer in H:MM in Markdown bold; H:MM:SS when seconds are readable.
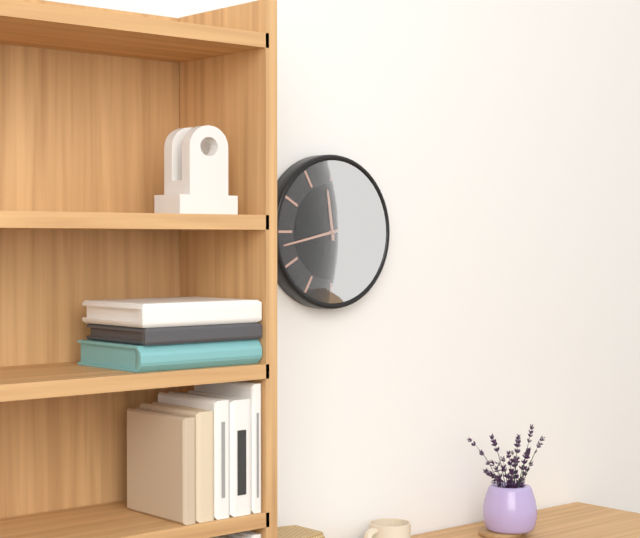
**11:43**
